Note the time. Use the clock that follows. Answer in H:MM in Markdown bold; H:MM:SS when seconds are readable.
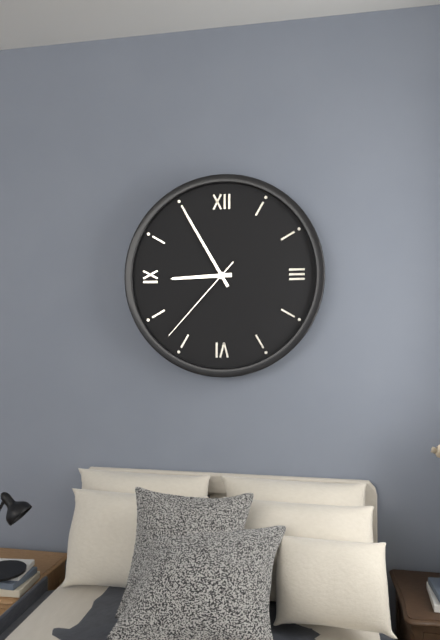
**8:55:37**
